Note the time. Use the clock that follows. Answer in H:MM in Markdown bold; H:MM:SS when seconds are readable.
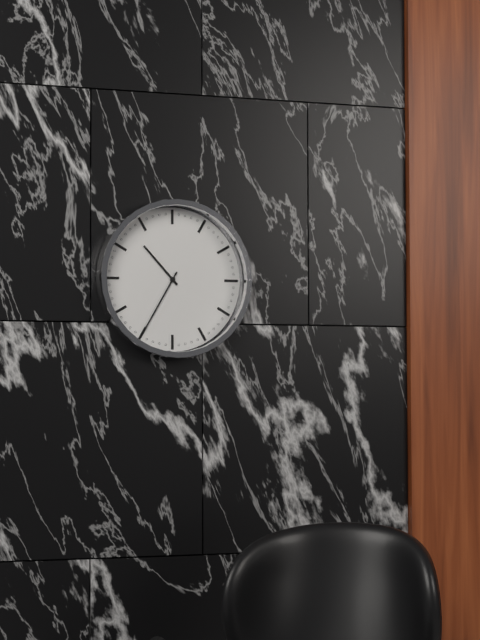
**10:35**
